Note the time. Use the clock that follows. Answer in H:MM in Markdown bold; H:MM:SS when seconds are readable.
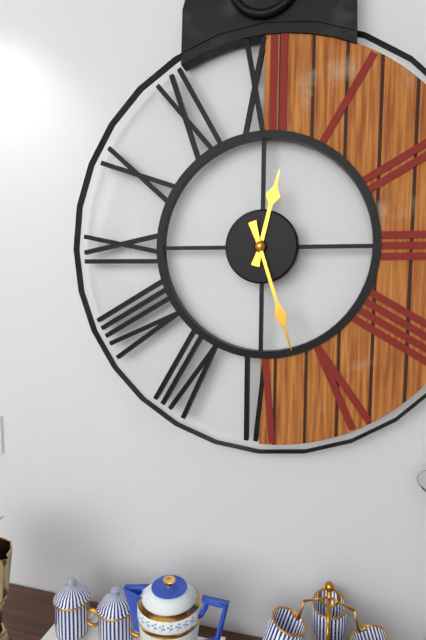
**12:27**
